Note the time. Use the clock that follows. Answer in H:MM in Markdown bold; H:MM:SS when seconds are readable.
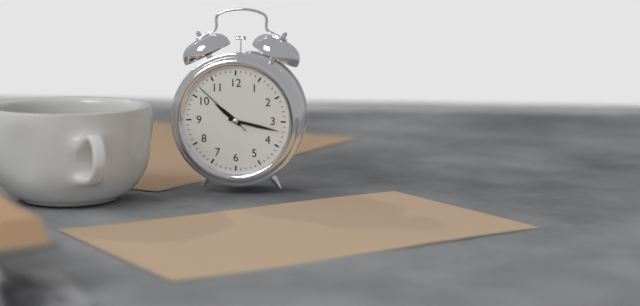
**10:17:52**
